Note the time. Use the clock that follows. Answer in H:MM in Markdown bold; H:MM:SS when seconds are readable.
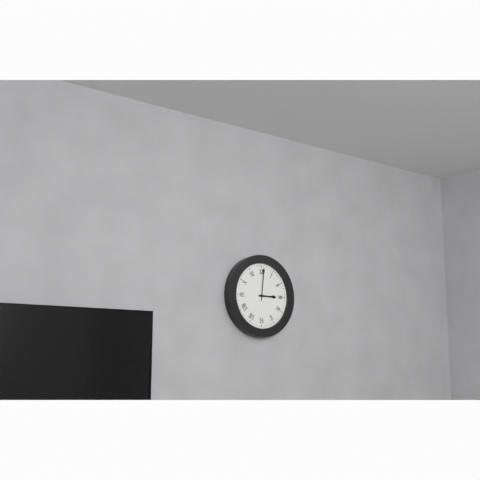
**3:01**
